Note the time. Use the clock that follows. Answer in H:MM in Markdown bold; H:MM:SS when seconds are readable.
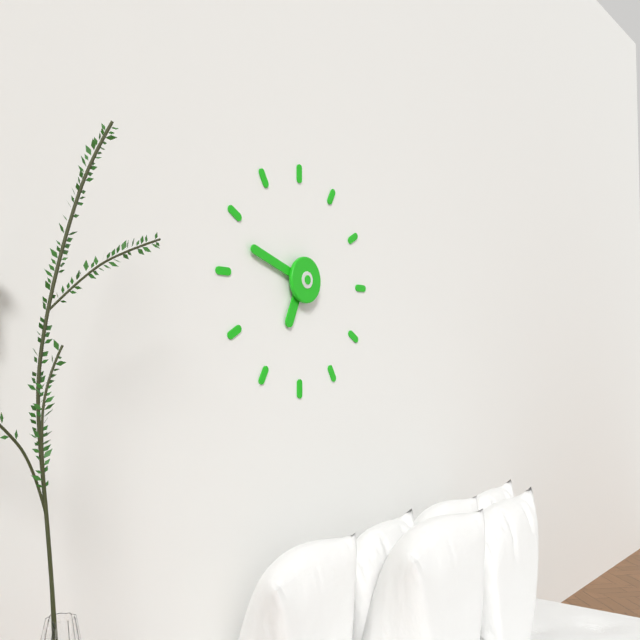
**6:48**
